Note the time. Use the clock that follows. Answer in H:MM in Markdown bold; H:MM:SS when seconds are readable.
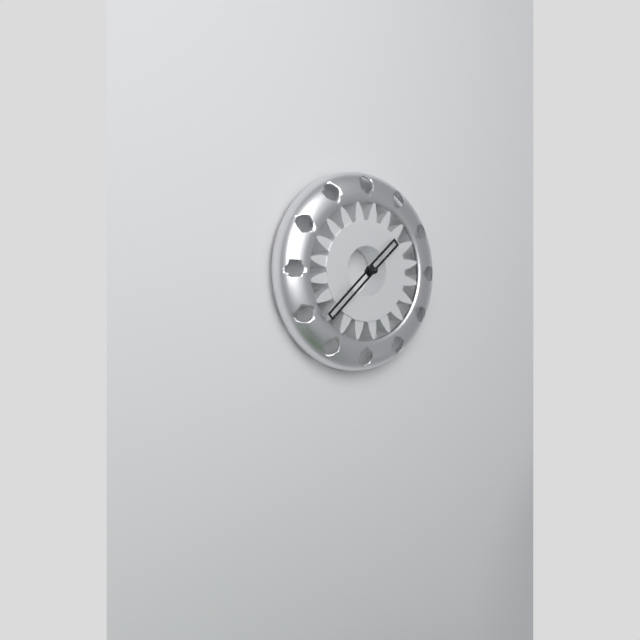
**1:38**
